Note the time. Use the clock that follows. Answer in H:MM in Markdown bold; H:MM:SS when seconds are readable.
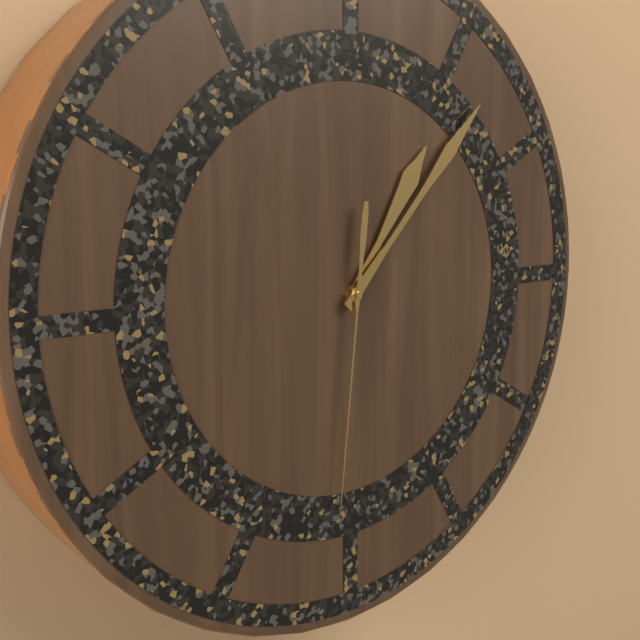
**1:07:31**
